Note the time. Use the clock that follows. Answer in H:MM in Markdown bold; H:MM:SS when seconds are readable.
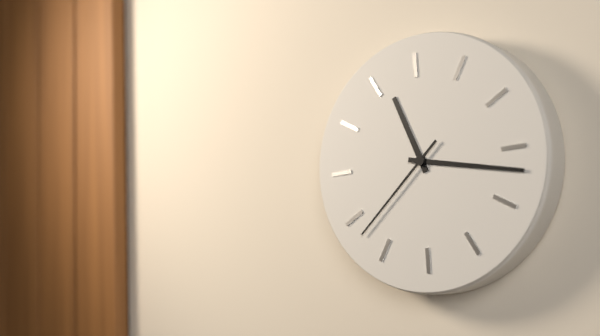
**11:17:38**
